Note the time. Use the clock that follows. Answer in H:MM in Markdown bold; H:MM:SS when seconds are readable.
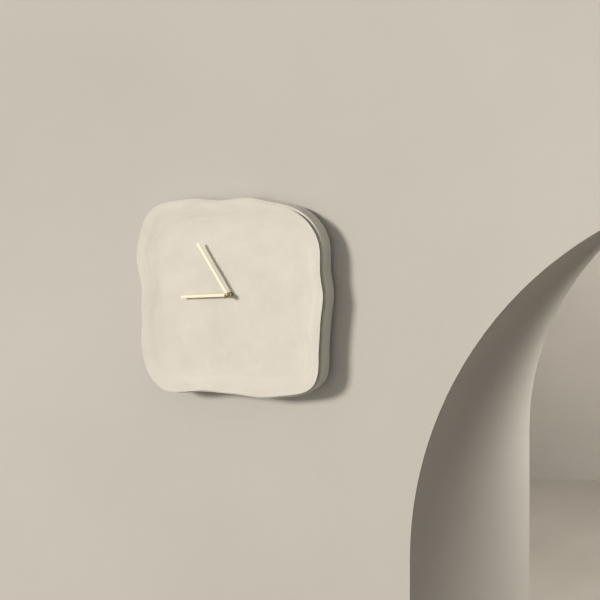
**8:55**
